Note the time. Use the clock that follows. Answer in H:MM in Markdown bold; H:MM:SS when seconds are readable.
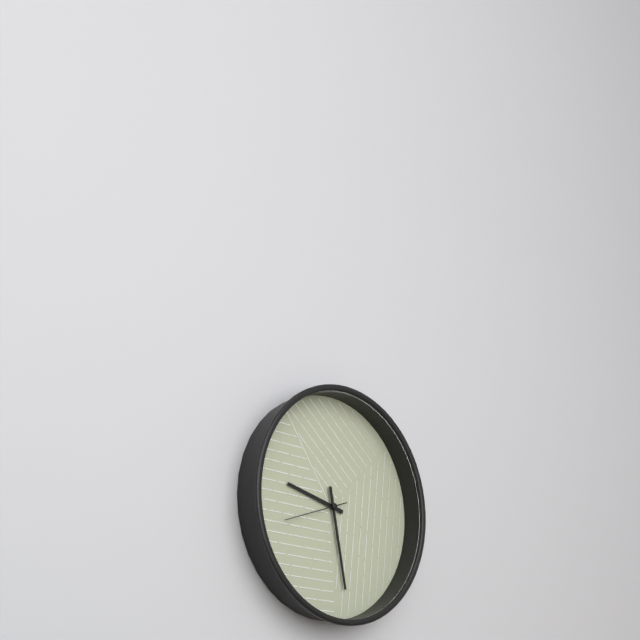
**9:28:42**
